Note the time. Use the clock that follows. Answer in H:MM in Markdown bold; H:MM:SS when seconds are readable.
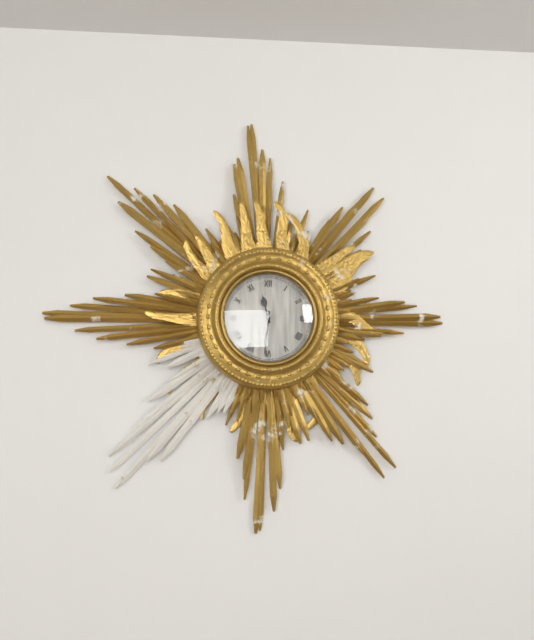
**11:31**
